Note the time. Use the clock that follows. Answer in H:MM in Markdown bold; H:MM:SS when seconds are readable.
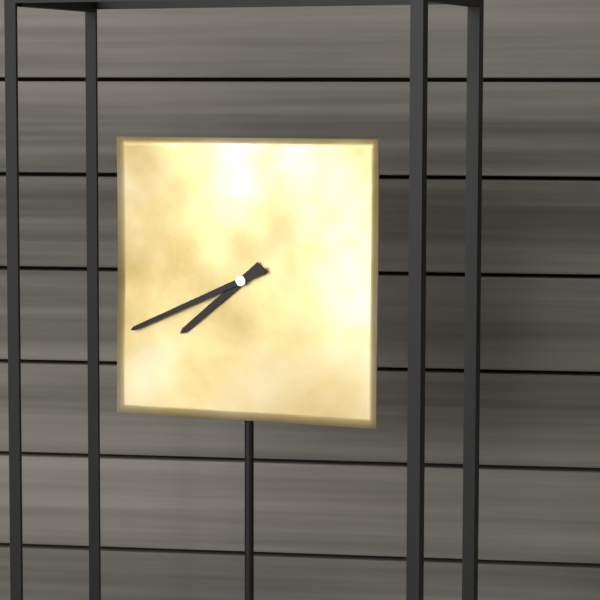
**7:41**
